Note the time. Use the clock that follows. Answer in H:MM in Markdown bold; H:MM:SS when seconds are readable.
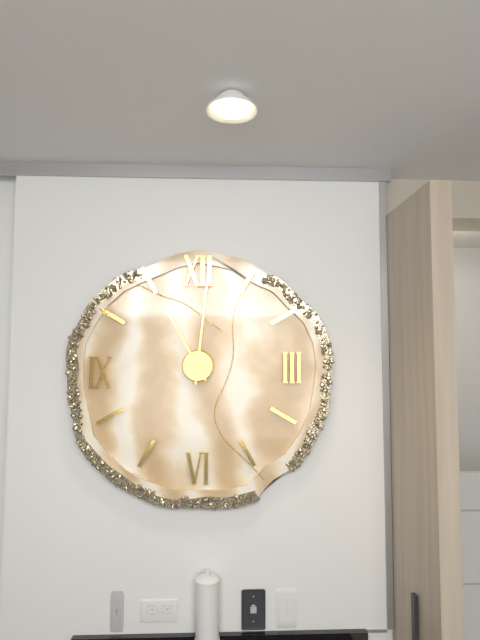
**11:01**
